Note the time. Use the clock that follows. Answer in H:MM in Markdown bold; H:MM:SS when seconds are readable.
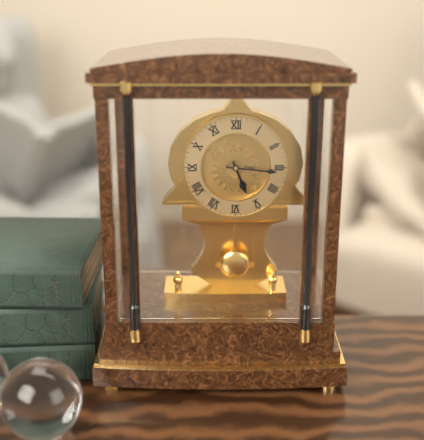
**5:16**
